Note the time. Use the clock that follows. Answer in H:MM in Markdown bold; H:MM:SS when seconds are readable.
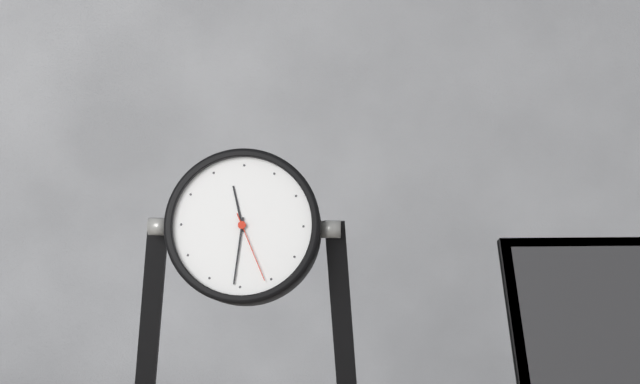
**11:31:26**
